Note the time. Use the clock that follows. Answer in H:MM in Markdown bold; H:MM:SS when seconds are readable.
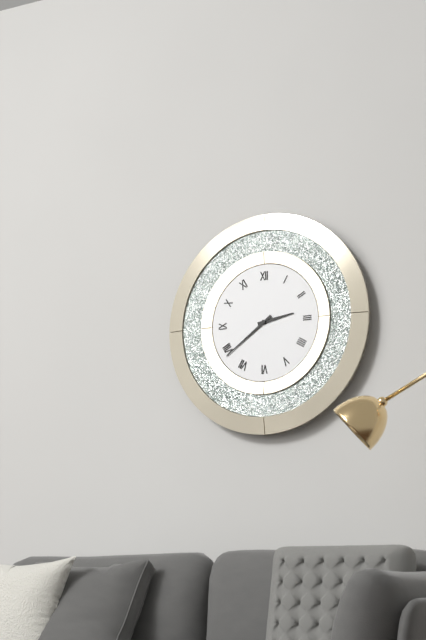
**2:39**
